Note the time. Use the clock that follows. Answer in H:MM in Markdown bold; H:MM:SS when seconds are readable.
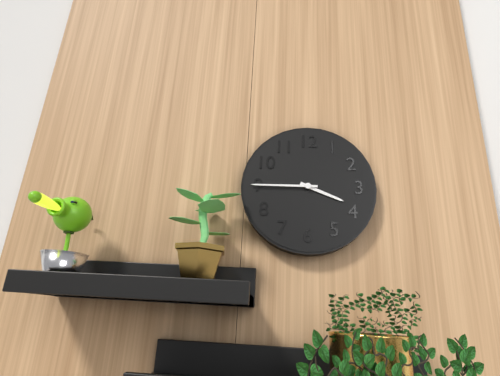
**3:45**
